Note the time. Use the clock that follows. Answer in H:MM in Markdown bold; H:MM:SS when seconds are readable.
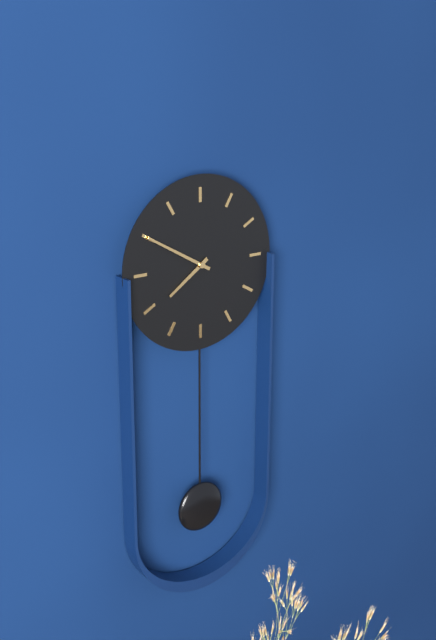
**7:50**
